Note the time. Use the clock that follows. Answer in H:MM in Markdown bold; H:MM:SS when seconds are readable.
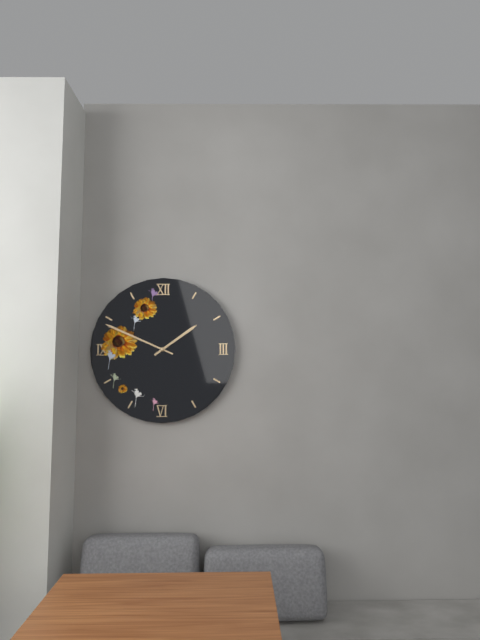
**1:49**
